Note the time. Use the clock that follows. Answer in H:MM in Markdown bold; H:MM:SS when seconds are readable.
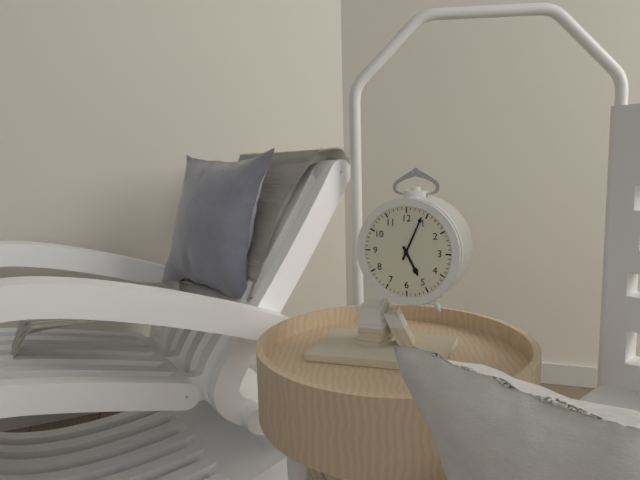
**5:04**
